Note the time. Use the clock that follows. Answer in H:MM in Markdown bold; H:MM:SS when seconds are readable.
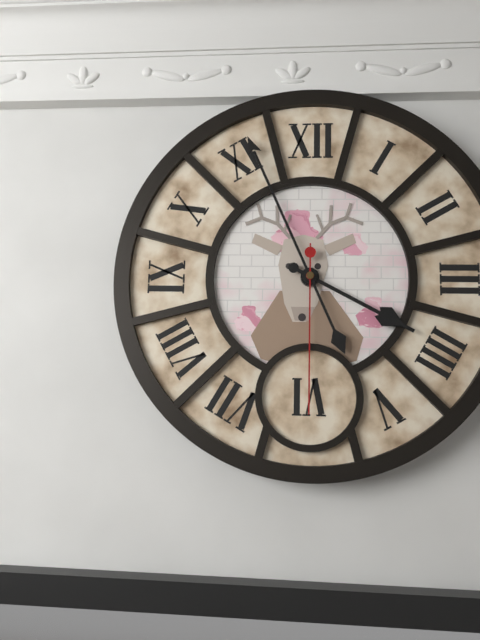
**3:56:30**
